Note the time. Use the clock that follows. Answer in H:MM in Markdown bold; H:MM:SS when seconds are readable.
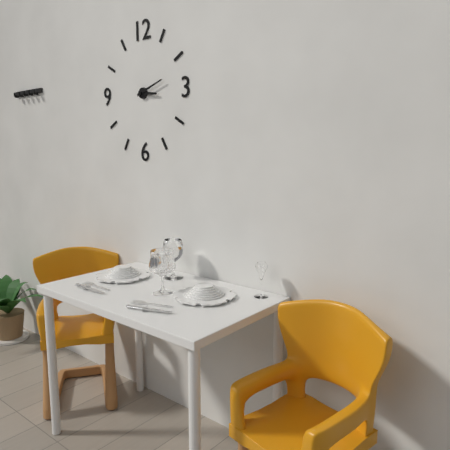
**3:12**
